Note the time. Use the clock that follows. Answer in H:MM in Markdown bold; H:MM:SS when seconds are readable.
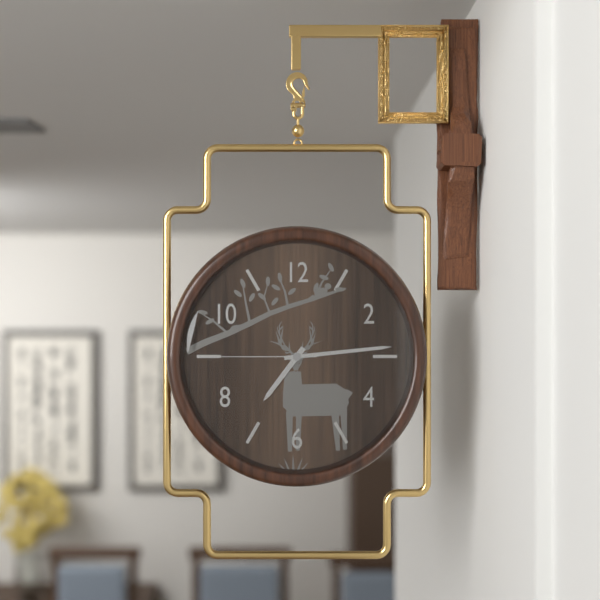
**7:14:45**
